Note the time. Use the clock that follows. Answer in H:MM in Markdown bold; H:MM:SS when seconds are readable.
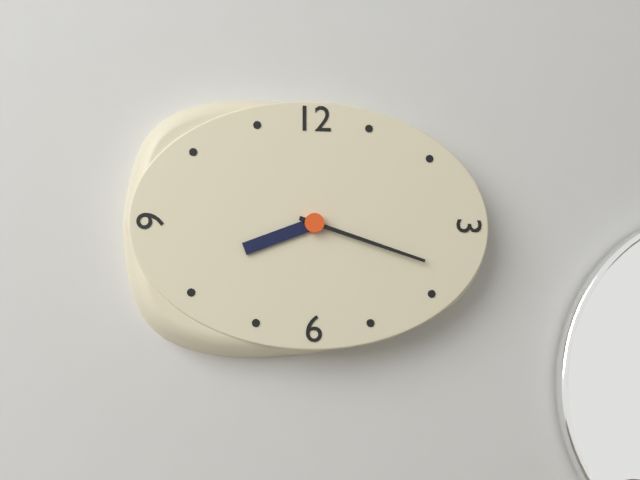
**8:18**
